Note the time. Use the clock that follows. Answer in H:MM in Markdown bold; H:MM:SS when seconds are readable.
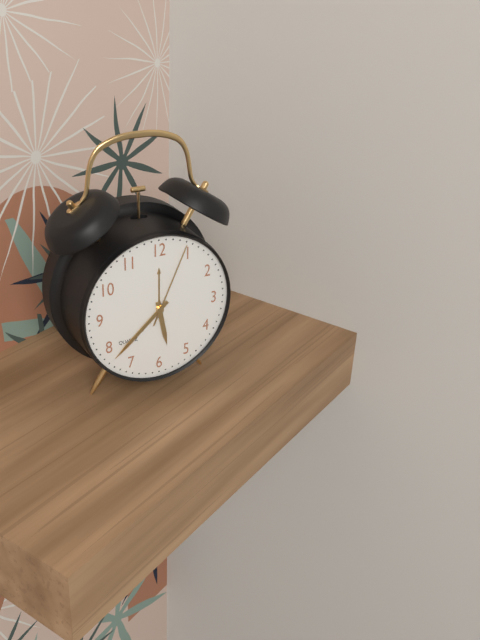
**5:38:04**
